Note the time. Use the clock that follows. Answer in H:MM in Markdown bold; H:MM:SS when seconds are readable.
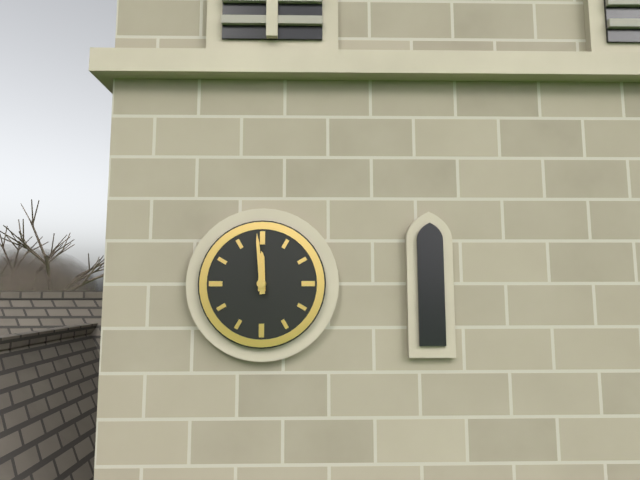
**11:59**
